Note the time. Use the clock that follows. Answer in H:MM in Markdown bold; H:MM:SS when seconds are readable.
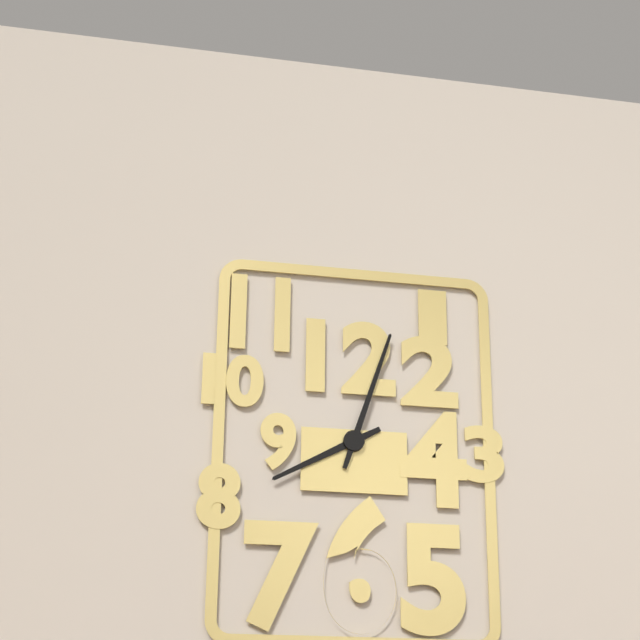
**8:03**
